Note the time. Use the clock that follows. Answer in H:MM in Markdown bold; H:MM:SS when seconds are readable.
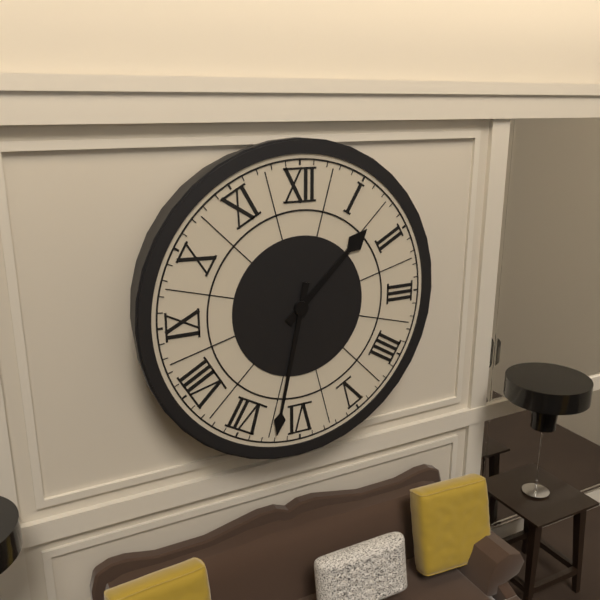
**1:32**
